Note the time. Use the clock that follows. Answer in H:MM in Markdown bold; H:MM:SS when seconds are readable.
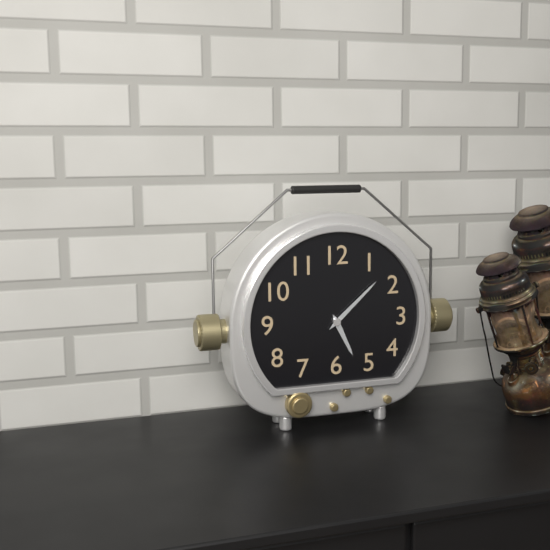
**5:08**
